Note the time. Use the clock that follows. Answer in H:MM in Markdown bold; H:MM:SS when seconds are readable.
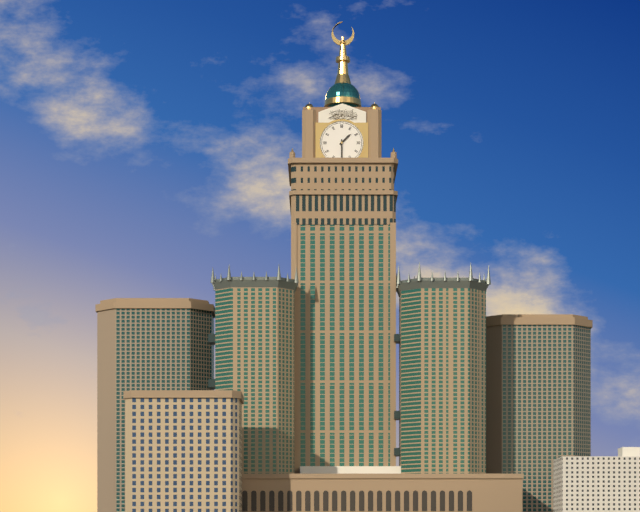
**1:30**
